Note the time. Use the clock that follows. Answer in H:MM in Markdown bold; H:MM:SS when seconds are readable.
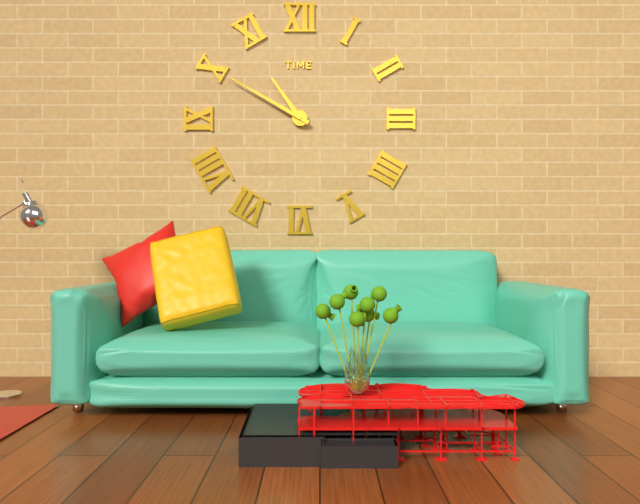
**10:50**
